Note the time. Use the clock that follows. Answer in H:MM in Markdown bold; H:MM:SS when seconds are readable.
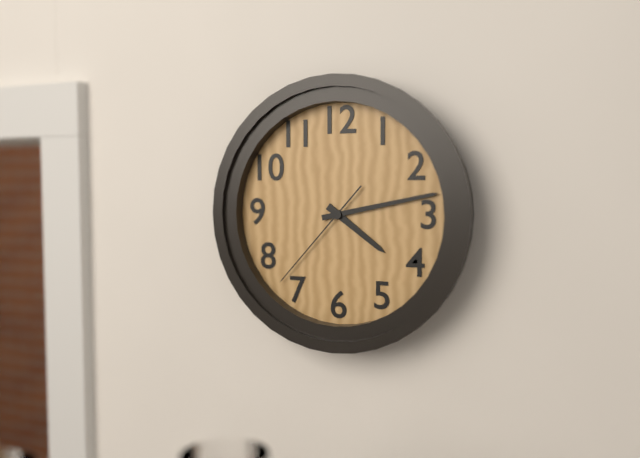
**4:13:37**
